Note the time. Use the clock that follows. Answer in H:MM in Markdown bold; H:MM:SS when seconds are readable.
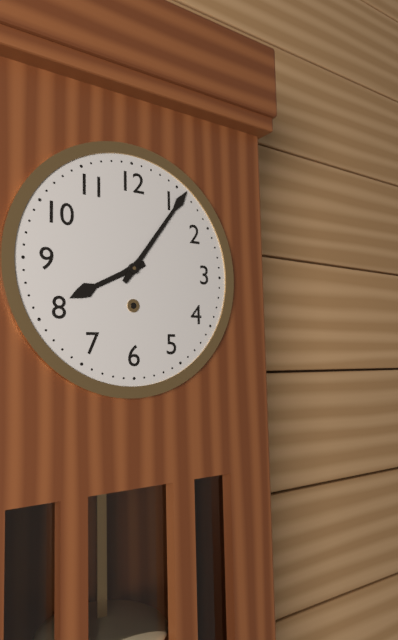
**8:06**
